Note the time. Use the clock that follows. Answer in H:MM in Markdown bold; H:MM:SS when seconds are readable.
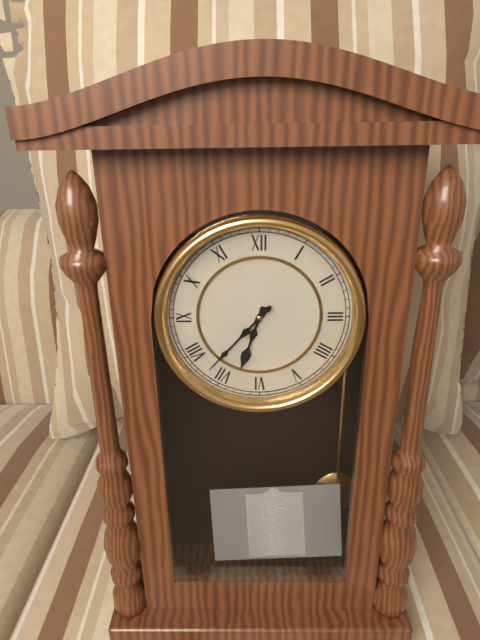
**6:37**
